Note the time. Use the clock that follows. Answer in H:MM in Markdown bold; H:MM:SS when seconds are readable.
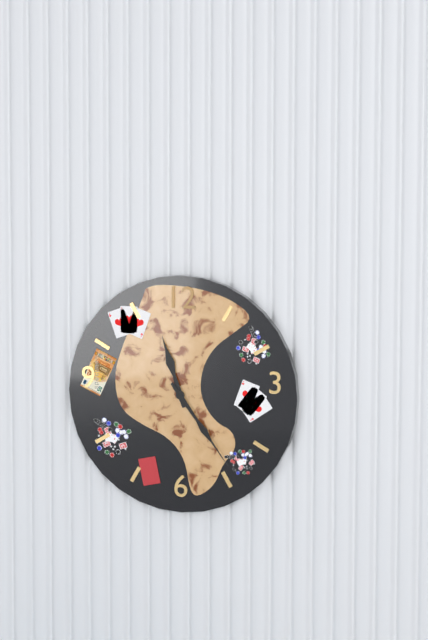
**11:24**
